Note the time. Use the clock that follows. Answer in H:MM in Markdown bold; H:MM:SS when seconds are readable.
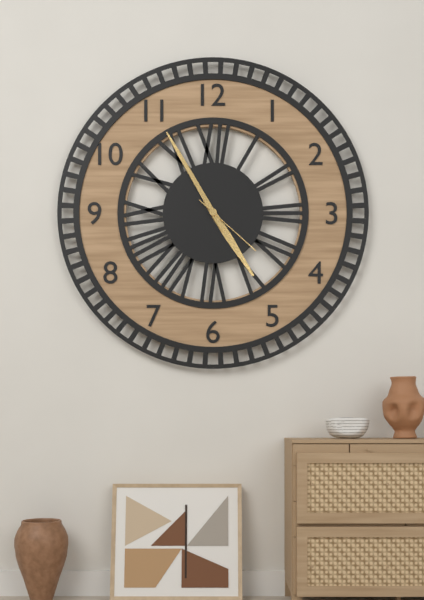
**4:55:22**
